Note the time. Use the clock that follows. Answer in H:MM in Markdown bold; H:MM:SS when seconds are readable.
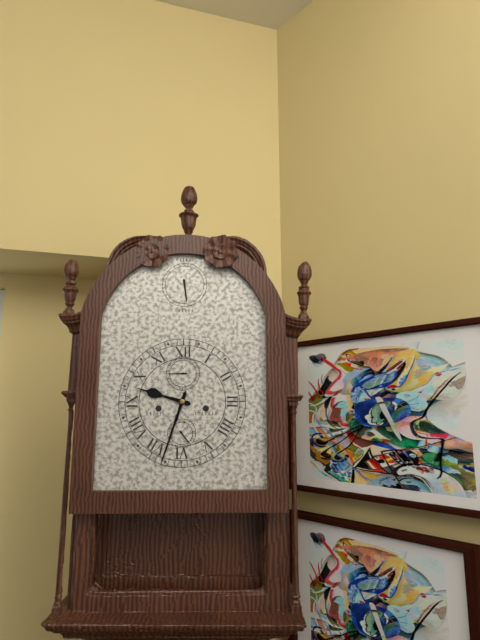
**9:33**
